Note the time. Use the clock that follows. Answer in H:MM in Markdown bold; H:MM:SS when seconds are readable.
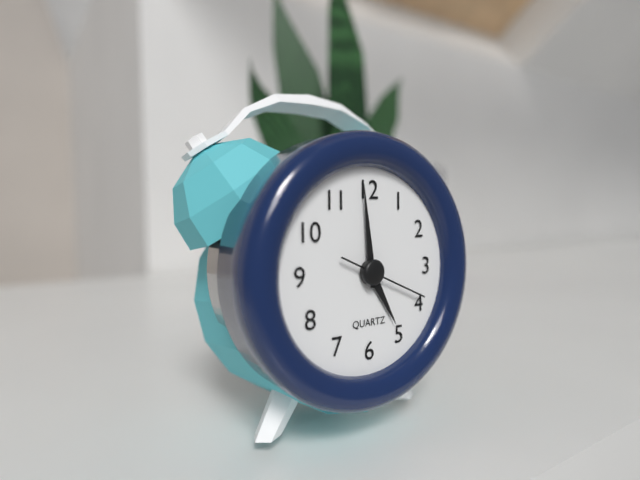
**4:59:19**
